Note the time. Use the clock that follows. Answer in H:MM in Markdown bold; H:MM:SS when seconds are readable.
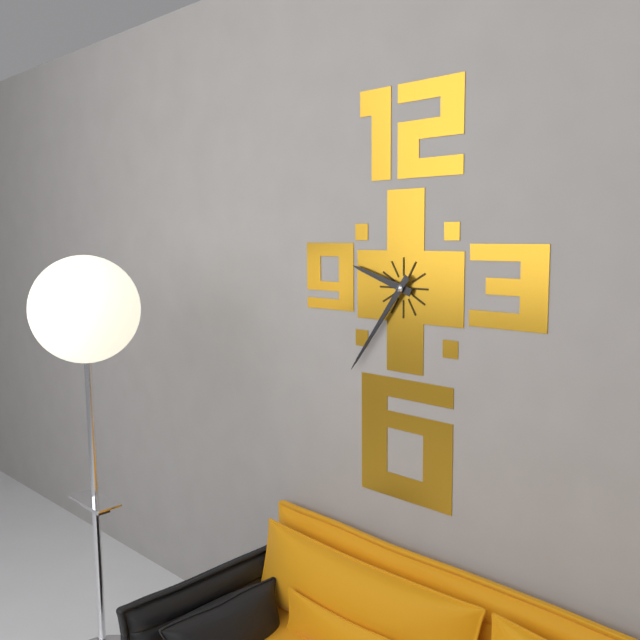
**9:36**
